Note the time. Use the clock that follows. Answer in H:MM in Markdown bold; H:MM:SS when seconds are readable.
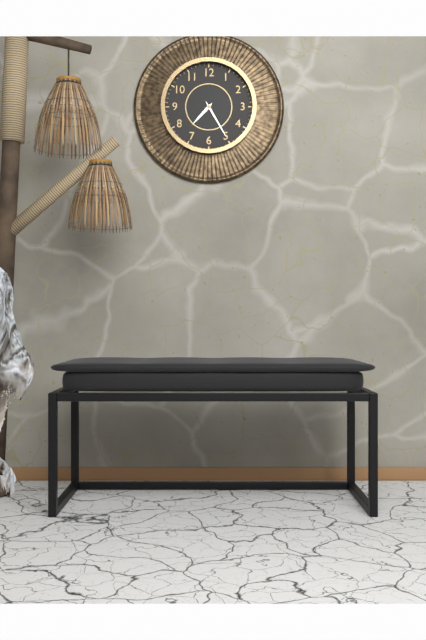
**7:25**
